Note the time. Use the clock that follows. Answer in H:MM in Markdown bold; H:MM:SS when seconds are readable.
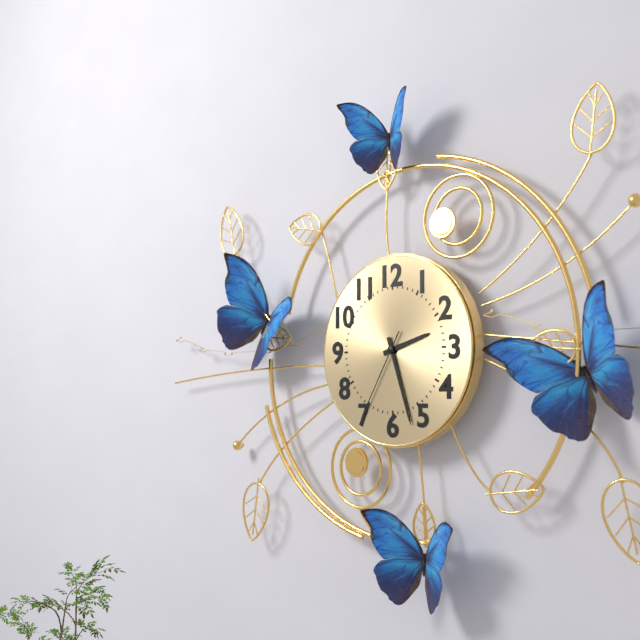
**2:27:35**
